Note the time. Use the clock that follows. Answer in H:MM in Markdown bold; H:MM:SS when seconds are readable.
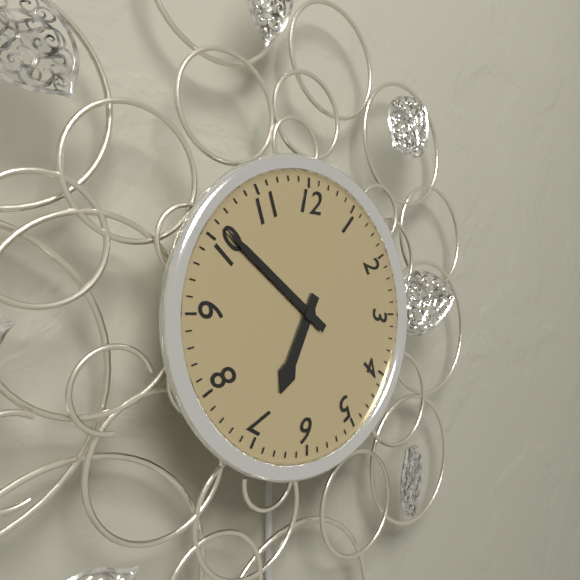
**6:51**
